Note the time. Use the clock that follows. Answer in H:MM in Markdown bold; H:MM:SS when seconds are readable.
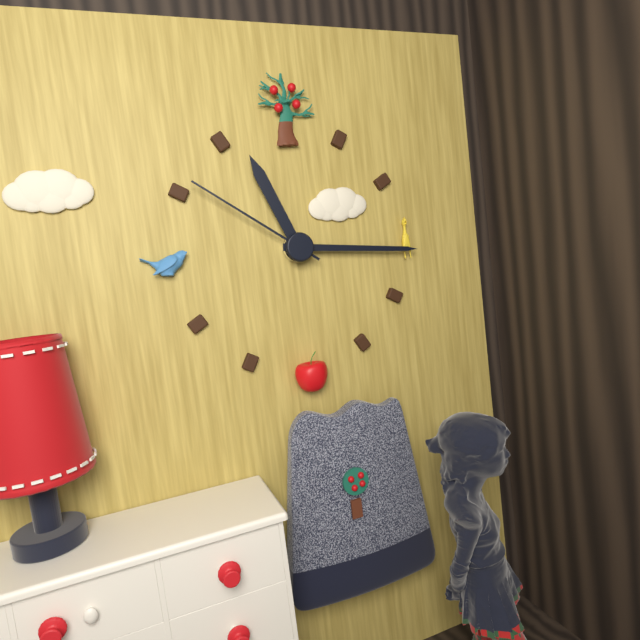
**11:16:51**
